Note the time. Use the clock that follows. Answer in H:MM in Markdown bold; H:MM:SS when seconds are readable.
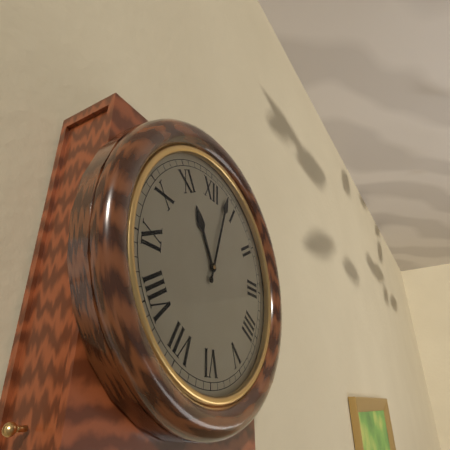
**11:03**
